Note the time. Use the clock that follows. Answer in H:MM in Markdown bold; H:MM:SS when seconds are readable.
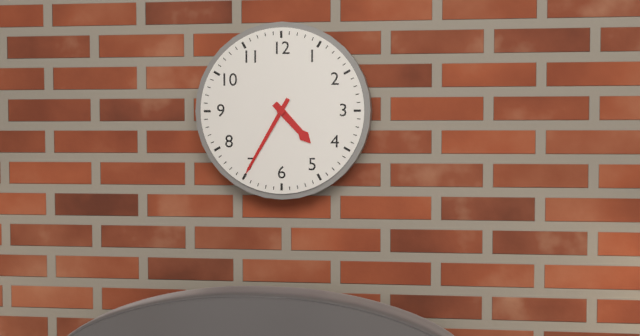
**4:35**
